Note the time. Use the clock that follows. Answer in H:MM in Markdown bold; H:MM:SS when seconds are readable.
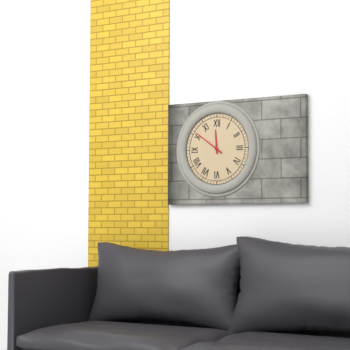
**11:51**
